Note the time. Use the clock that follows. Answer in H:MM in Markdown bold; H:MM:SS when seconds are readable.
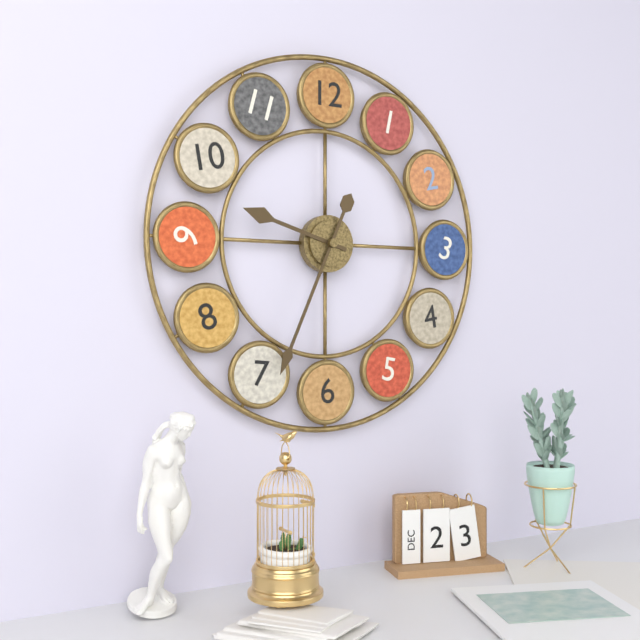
**9:34**
